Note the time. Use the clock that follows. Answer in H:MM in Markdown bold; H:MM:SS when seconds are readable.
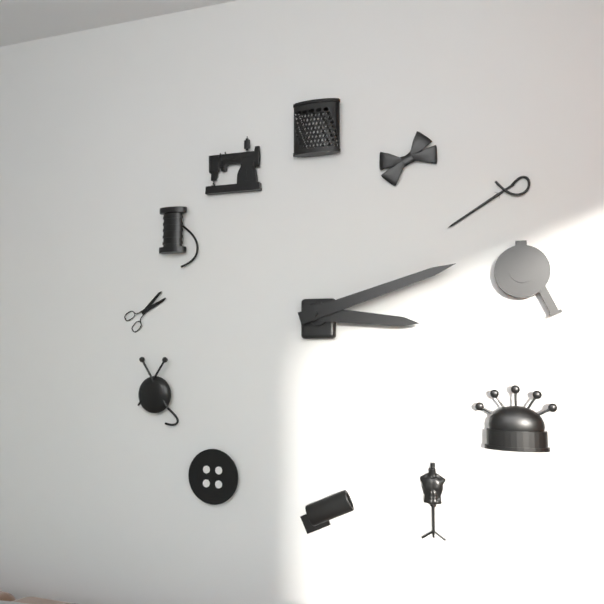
**3:12**
